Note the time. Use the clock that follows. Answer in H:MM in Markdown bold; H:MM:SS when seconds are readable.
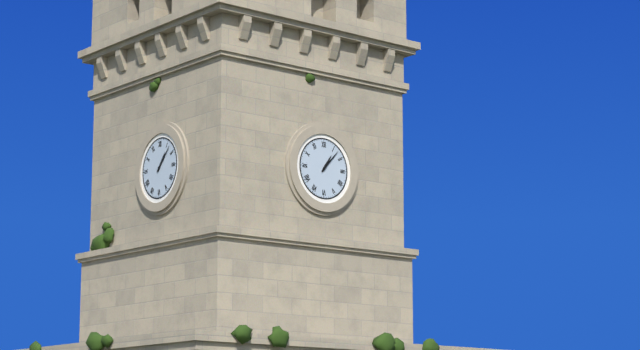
**1:07**
